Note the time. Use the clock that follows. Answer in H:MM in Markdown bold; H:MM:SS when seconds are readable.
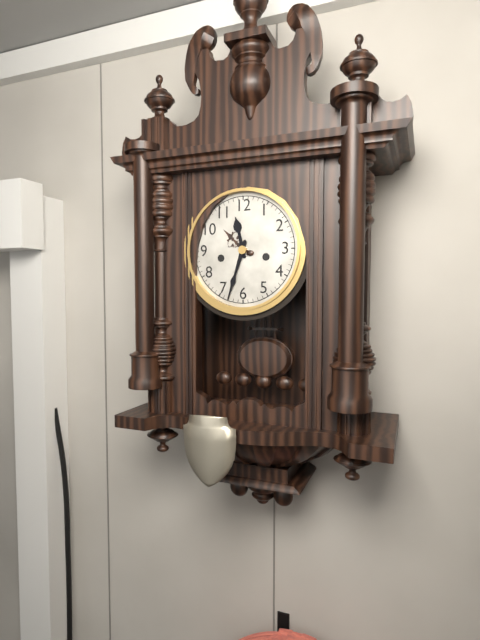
**11:33**
